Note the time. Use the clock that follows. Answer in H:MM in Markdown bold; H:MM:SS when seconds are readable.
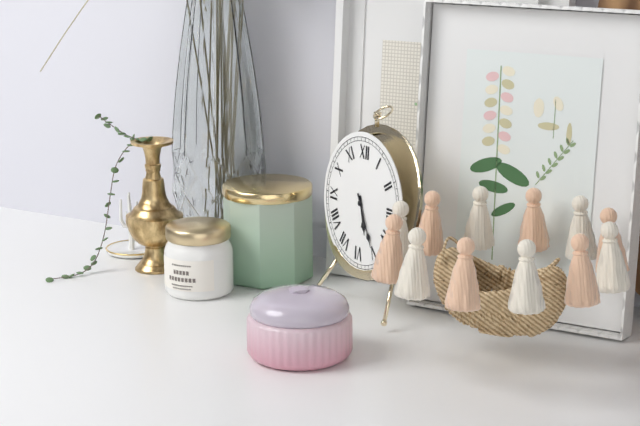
**5:25**
